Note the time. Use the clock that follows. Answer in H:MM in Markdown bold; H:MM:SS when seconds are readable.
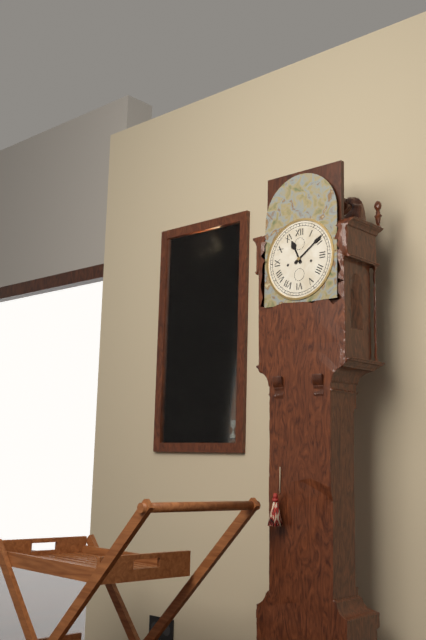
**11:09**
